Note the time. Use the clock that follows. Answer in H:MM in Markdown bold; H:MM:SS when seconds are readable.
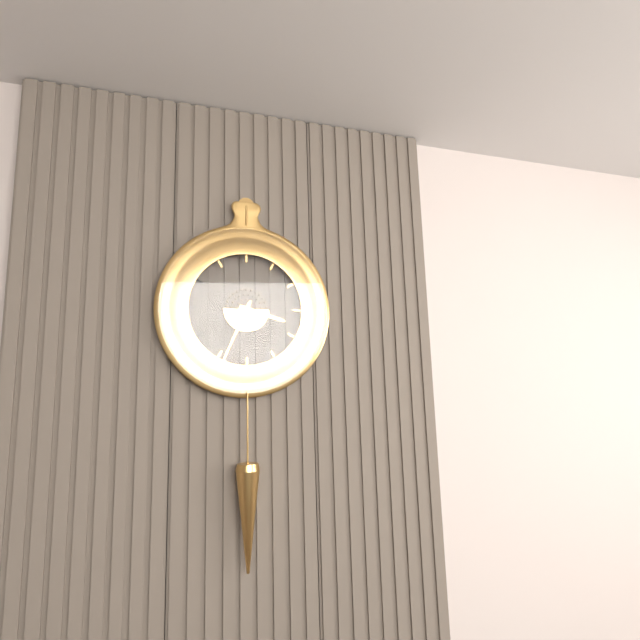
**3:34**
